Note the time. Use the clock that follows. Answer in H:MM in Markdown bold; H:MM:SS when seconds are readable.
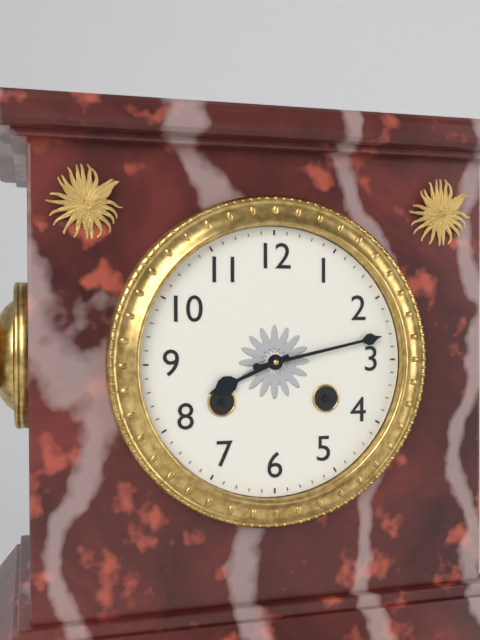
**8:13**
